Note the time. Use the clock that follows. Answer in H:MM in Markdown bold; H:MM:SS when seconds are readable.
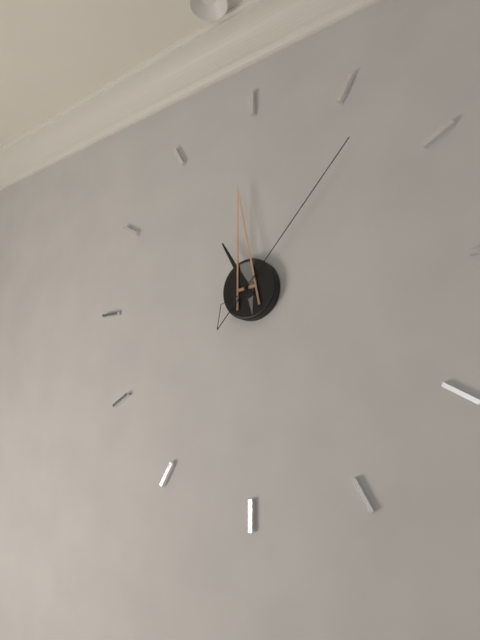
**10:59:07**
